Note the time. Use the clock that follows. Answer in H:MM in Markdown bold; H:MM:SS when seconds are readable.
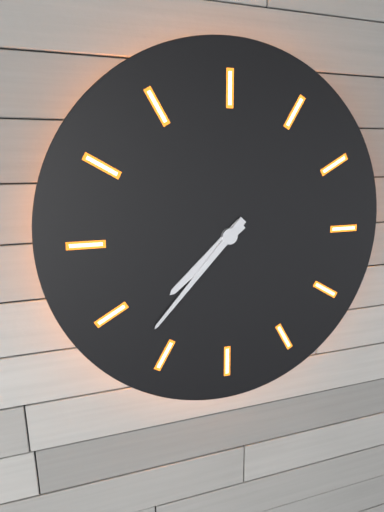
**7:37**
